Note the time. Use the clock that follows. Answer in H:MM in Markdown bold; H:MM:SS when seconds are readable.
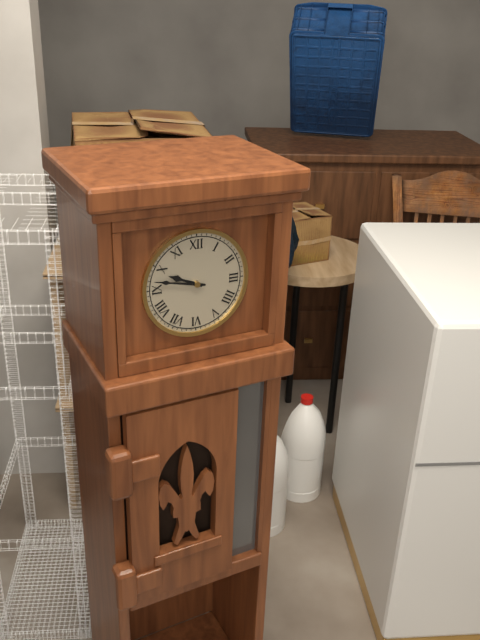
**9:47**
